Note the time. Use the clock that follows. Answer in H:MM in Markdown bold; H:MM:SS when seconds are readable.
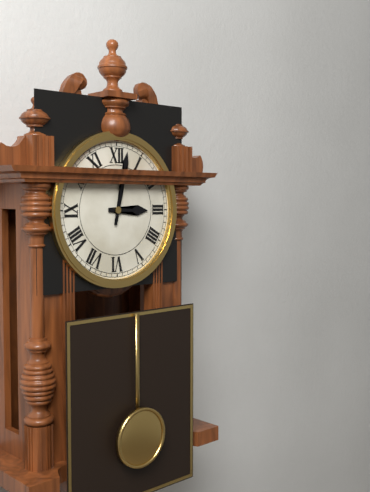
**3:02**
